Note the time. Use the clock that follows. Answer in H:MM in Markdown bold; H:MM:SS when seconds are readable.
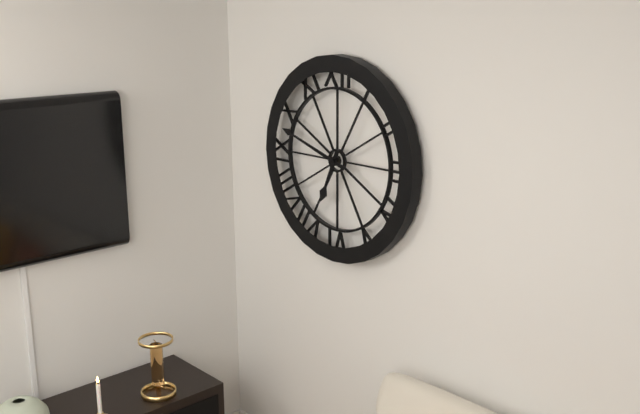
**6:48**
